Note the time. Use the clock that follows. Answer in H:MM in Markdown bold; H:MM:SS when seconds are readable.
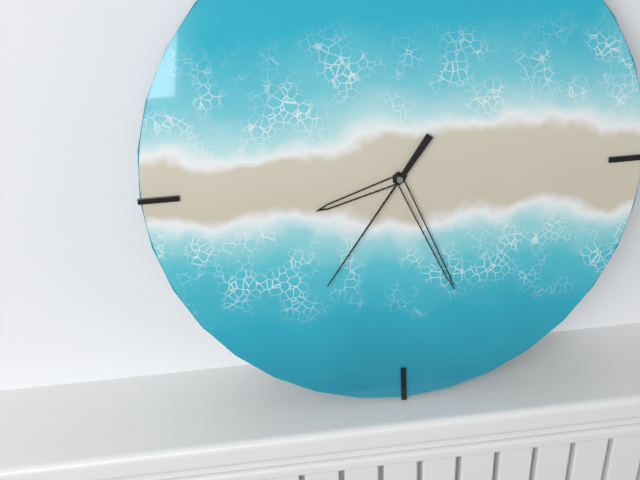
**8:26:36**
